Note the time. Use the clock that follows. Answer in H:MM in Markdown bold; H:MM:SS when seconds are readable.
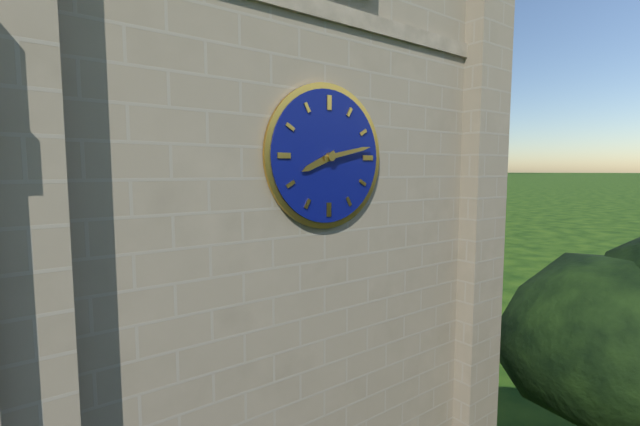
**8:13**
